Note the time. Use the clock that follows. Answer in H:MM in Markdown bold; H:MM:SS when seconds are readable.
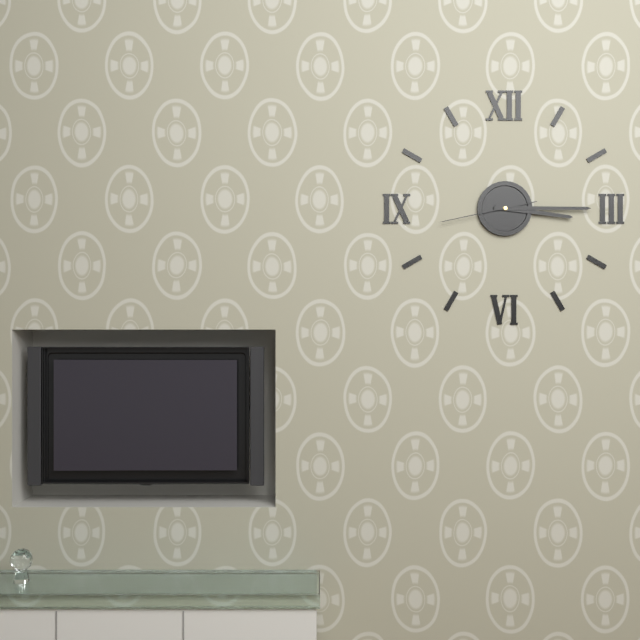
**3:15:43**
